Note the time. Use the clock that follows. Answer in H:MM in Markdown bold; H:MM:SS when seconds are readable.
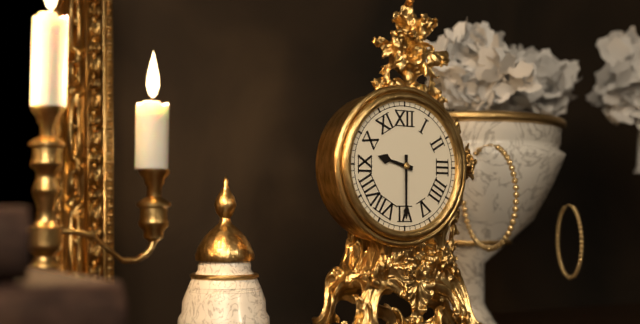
**9:30**
